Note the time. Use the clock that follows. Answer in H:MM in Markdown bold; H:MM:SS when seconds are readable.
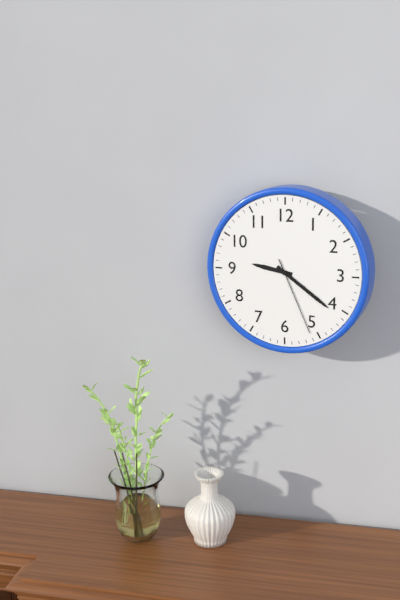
**9:21:26**
